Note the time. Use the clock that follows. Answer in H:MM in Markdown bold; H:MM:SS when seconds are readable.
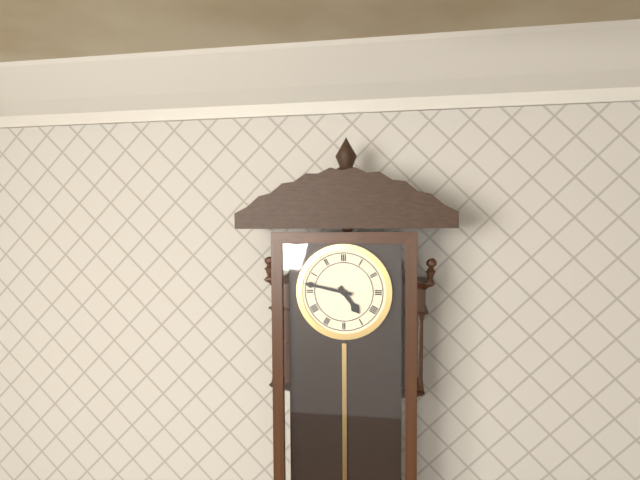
**4:47**
